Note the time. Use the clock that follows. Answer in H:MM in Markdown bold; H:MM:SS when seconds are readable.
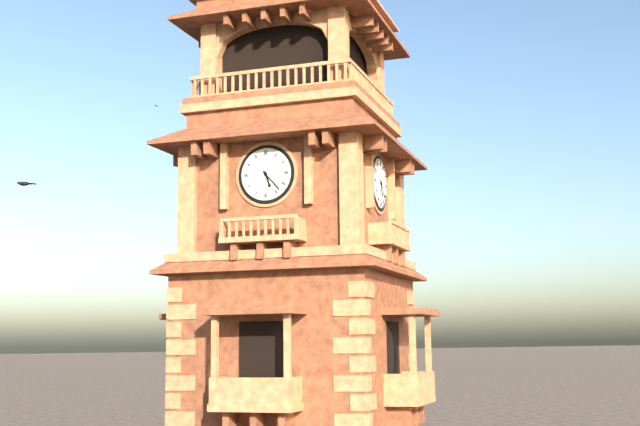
**5:23**
